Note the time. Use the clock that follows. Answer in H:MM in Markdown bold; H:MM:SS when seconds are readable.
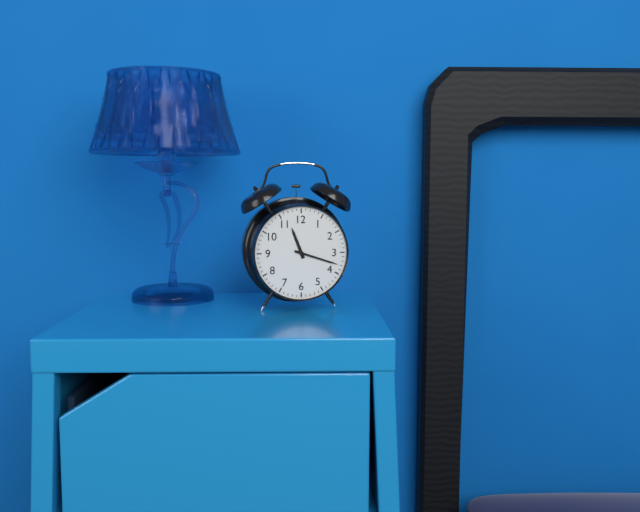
**11:18**
